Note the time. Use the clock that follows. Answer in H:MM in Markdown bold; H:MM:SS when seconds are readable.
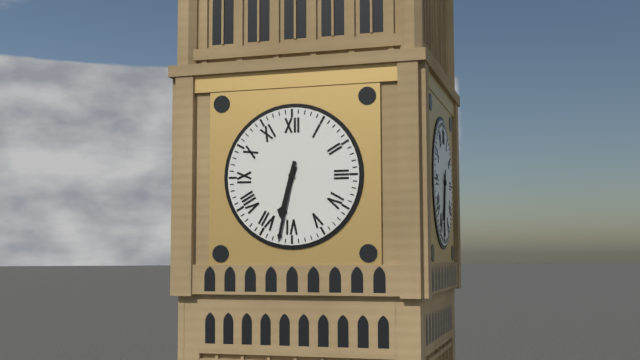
**6:32**
